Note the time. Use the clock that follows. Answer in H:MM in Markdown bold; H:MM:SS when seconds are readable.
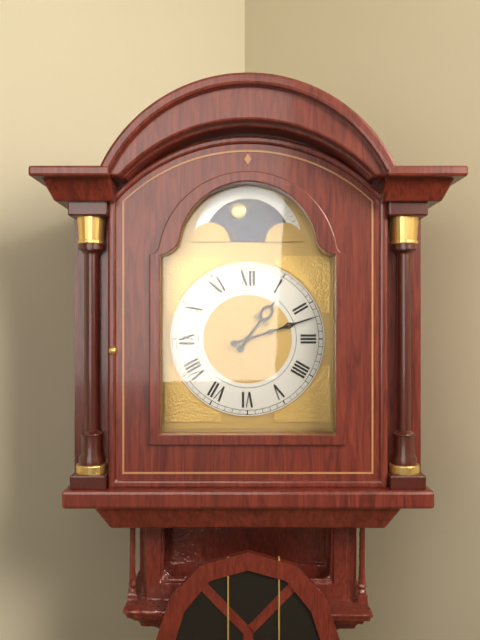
**1:12**
